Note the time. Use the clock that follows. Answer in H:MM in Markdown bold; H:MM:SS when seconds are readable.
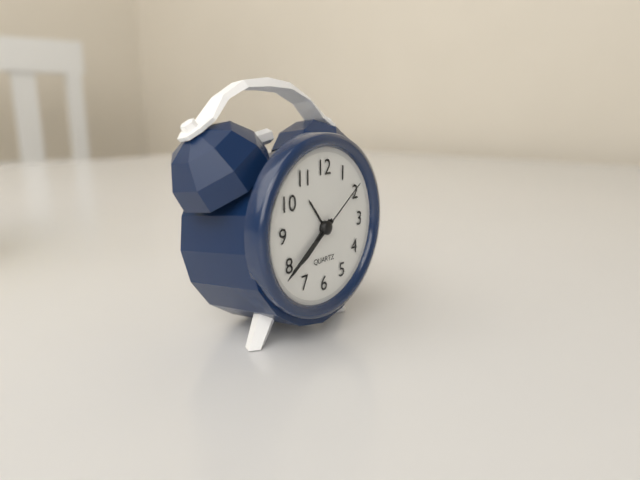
**7:39:09**
